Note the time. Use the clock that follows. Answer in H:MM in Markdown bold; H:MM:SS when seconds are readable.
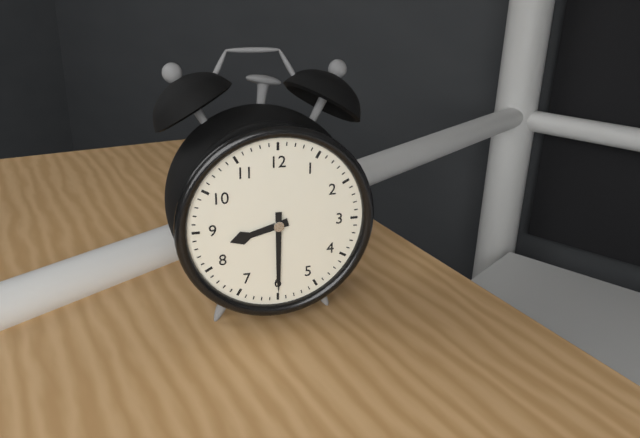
**8:30**
